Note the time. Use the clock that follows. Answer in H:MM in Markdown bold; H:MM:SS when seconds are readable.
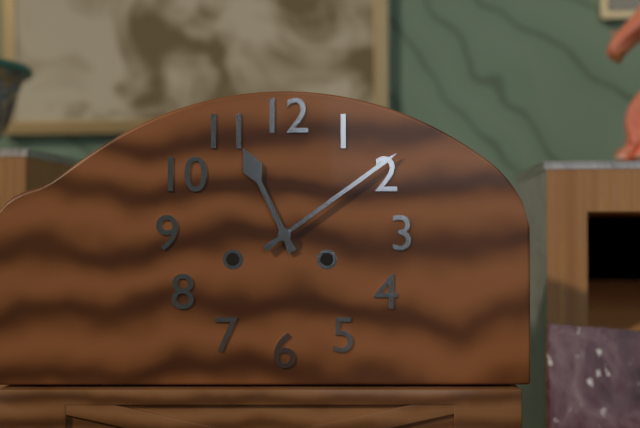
**11:09**
